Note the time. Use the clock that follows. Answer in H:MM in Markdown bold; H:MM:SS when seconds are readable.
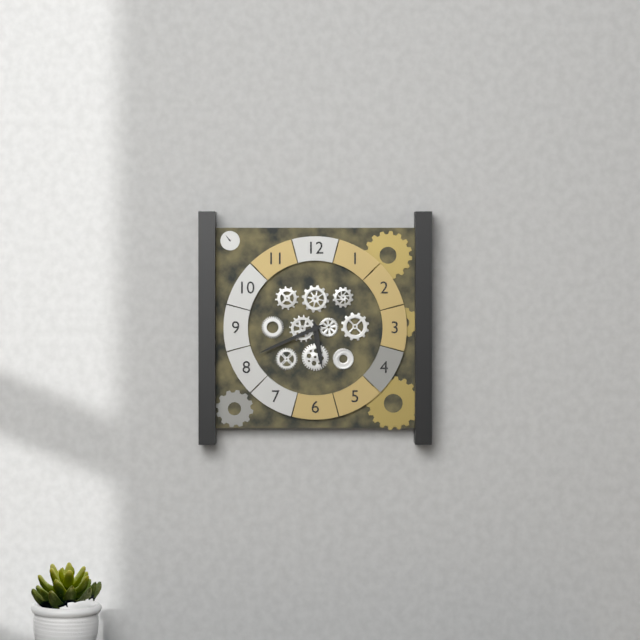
**5:41**
